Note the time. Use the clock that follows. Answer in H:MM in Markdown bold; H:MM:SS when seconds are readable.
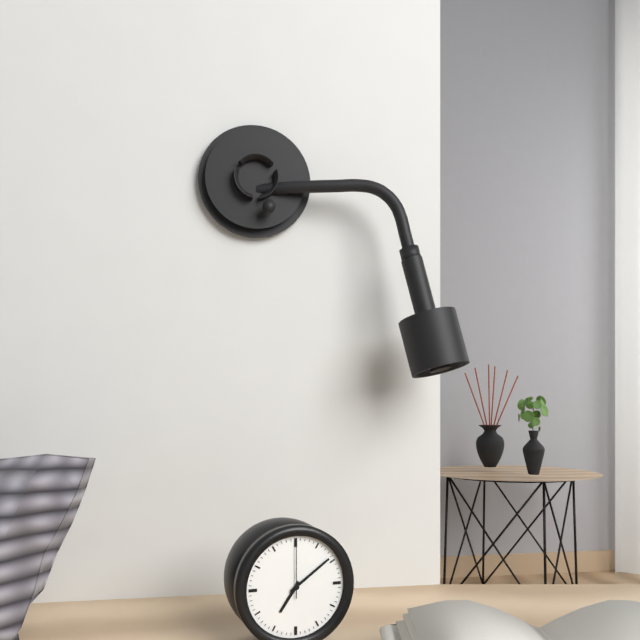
**7:09:00**
